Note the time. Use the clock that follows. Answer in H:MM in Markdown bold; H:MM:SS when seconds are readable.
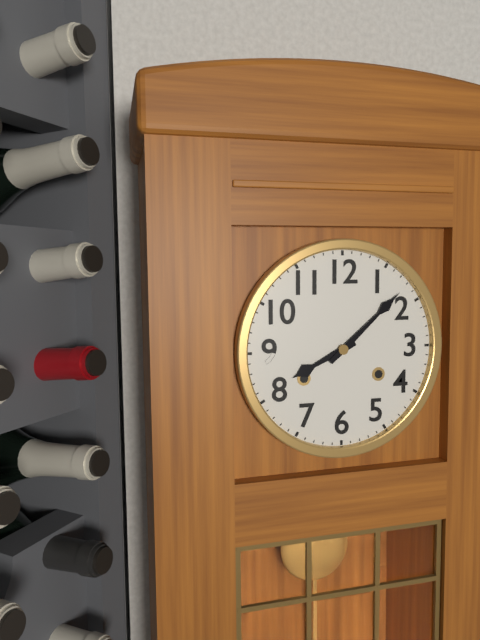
**8:08**
